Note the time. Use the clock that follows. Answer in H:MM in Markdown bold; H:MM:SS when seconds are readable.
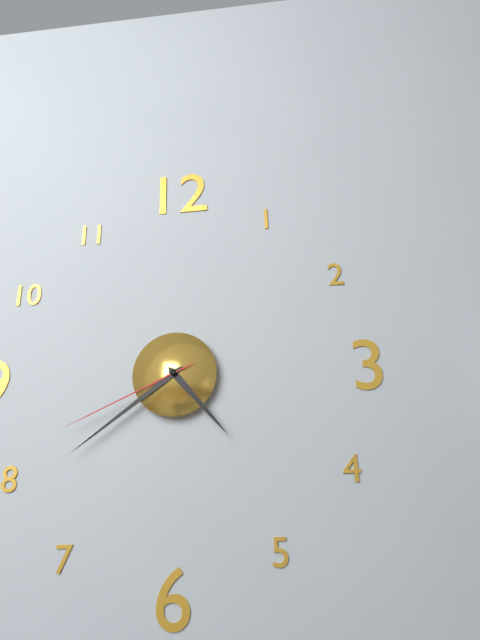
**4:39:41**
